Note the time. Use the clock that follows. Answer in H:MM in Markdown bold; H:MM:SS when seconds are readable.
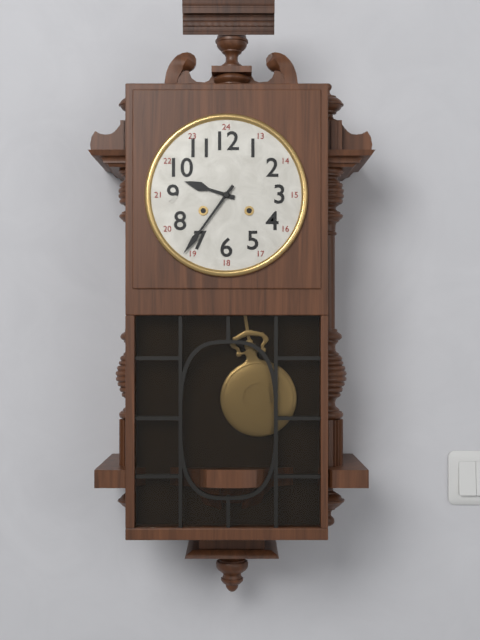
**9:36**
